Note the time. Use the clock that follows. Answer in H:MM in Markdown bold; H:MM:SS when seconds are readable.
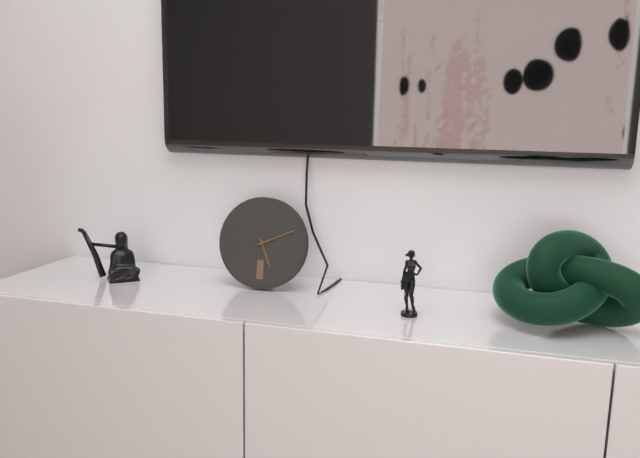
**5:11**
